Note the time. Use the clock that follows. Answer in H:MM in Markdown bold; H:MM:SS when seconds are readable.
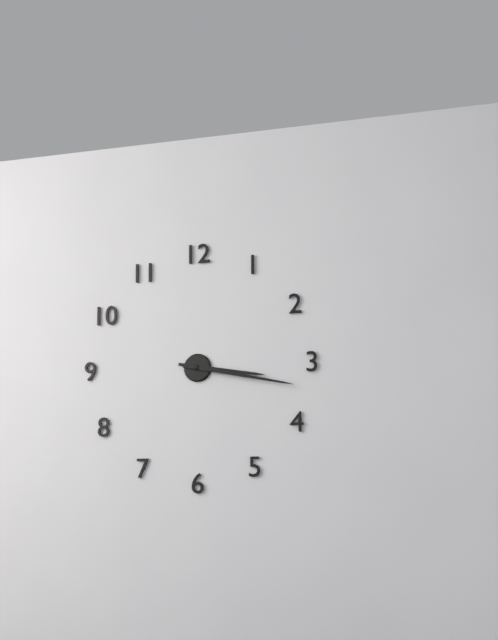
**3:17**
